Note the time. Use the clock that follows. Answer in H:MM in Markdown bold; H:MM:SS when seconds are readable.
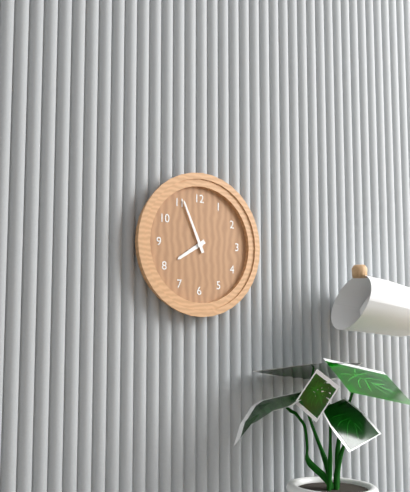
**7:56**
